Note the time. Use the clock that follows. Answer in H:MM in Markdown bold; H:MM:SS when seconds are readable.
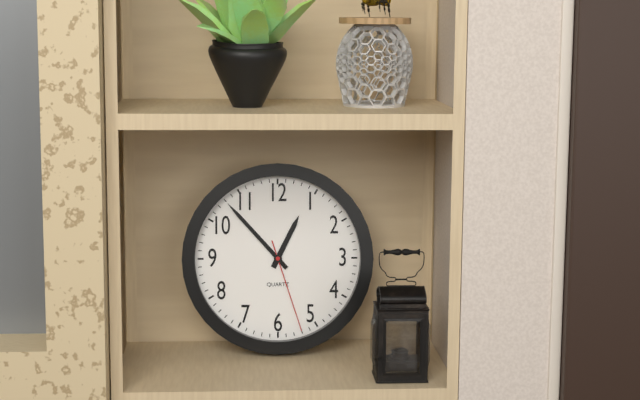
**12:53:27**
